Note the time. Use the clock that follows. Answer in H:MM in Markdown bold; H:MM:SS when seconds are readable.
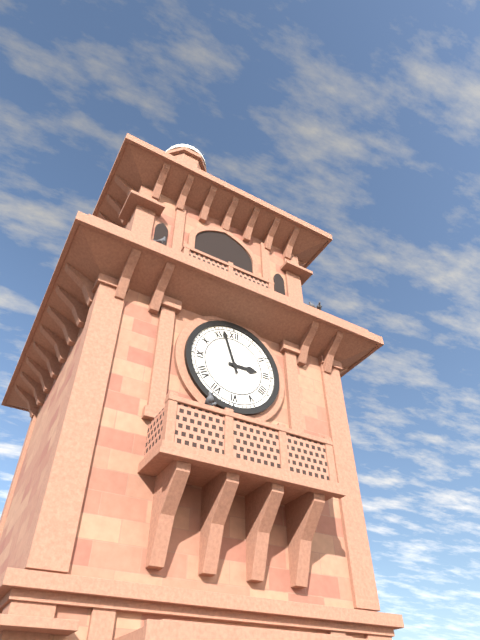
**2:57**
